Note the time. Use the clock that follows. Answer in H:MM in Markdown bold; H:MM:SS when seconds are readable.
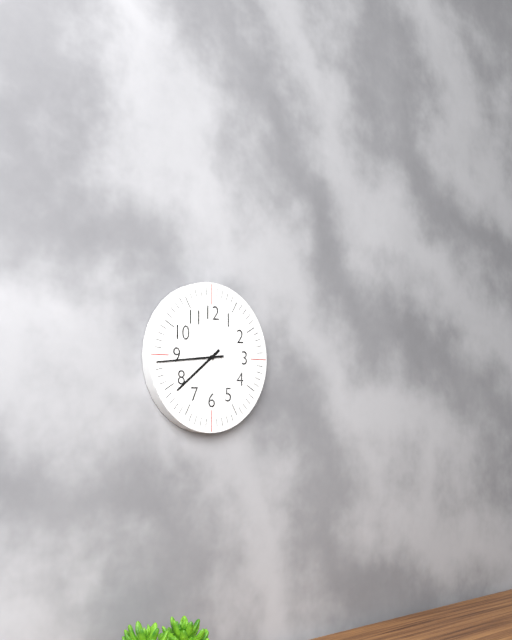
**7:44**
